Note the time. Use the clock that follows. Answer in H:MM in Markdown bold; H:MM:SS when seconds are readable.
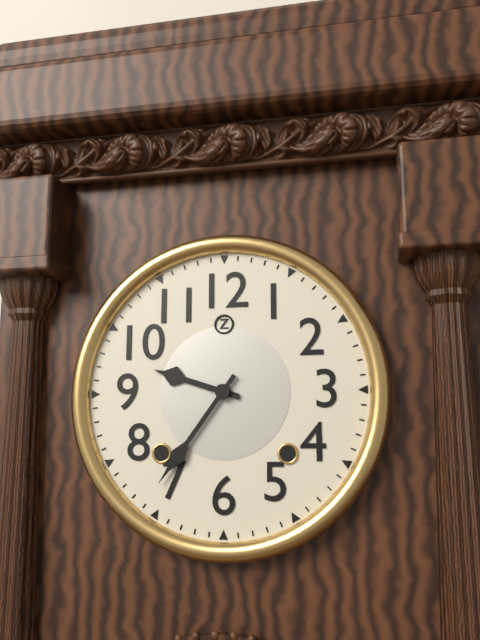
**9:36**
